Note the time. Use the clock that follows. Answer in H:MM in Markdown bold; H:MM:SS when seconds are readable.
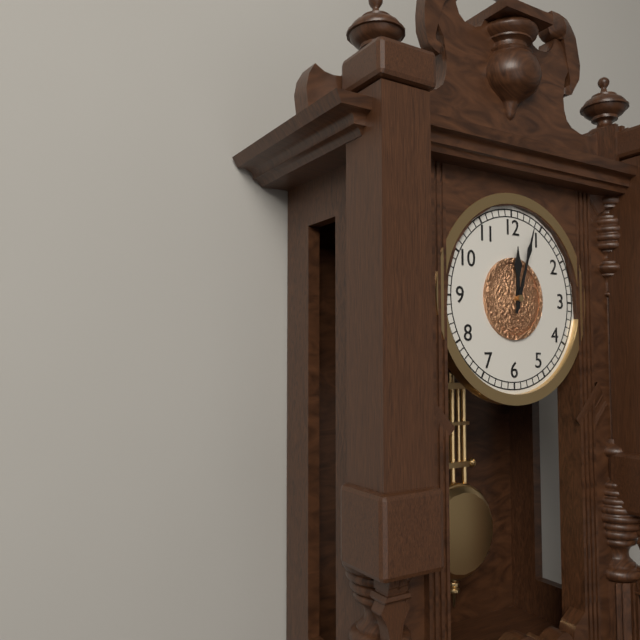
**12:03**
